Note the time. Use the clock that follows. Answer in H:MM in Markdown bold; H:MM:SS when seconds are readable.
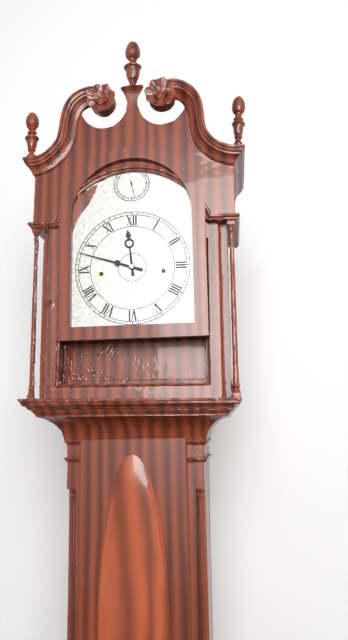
**11:48**
